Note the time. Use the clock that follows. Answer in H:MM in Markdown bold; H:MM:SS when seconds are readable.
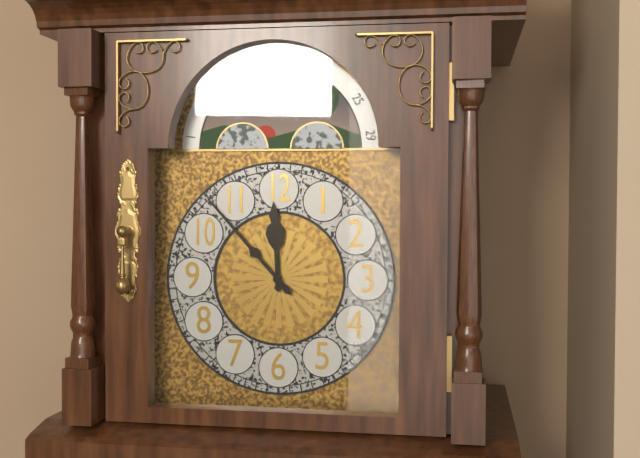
**11:53**
